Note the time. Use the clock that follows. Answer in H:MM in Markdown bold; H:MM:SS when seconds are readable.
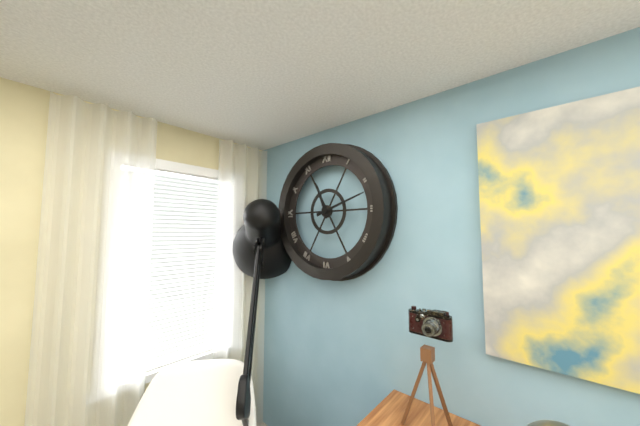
**11:12**
